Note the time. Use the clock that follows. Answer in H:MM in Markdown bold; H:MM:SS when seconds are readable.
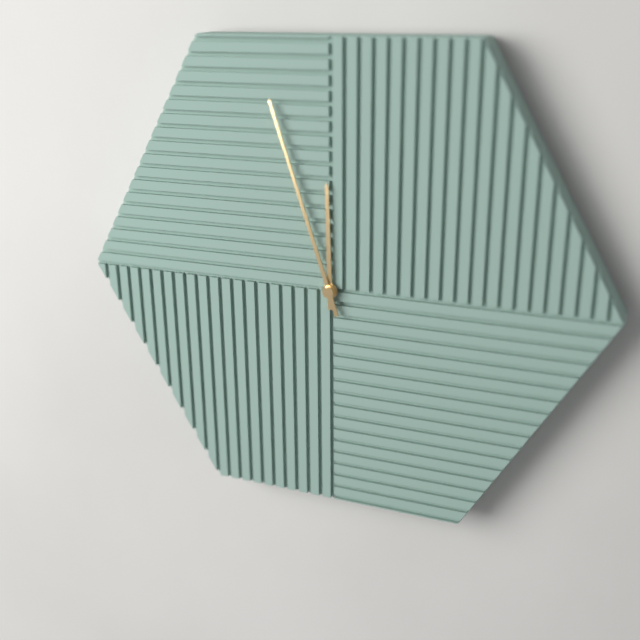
**11:57**
